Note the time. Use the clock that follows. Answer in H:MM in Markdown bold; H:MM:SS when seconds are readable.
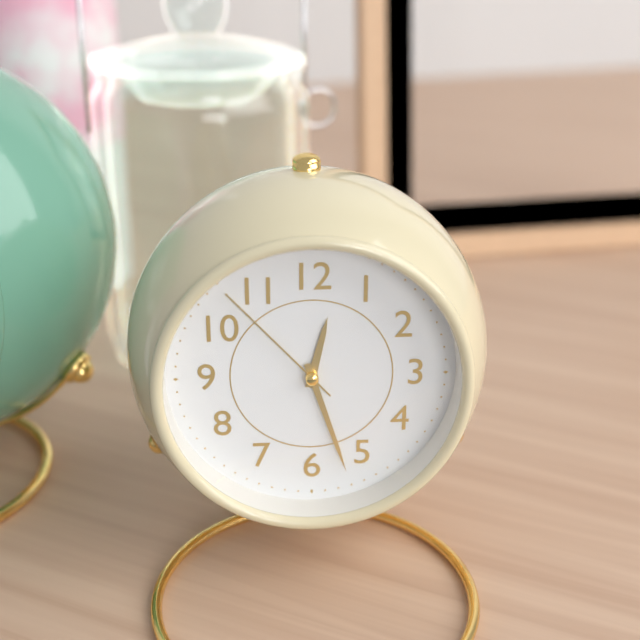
**12:27:53**
